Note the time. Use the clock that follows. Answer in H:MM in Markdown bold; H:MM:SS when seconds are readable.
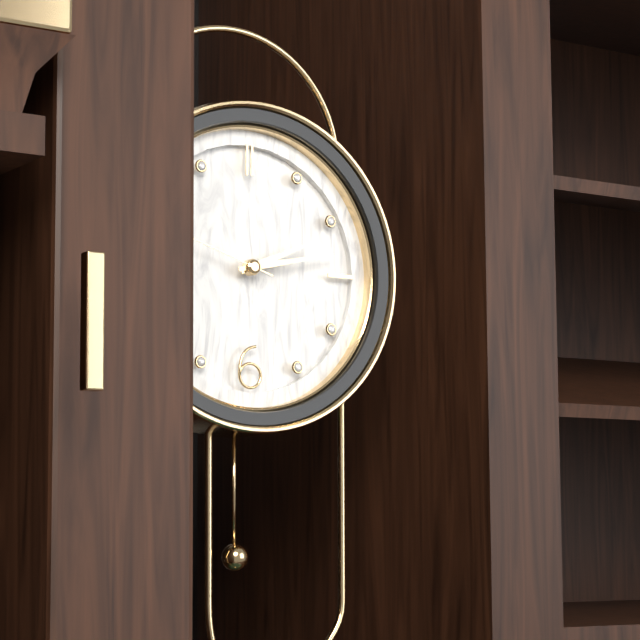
**2:13**
